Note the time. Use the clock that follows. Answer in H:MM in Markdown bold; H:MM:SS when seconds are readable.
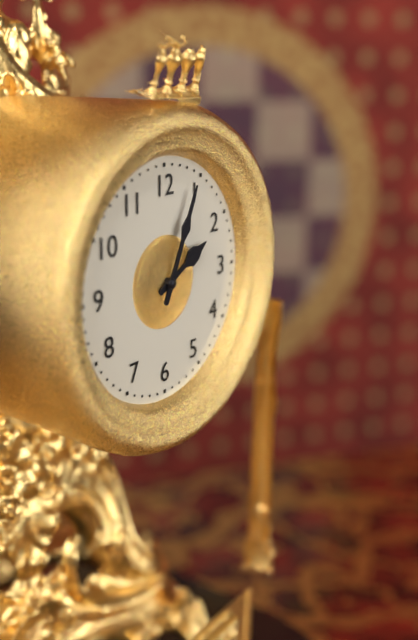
**2:04**
